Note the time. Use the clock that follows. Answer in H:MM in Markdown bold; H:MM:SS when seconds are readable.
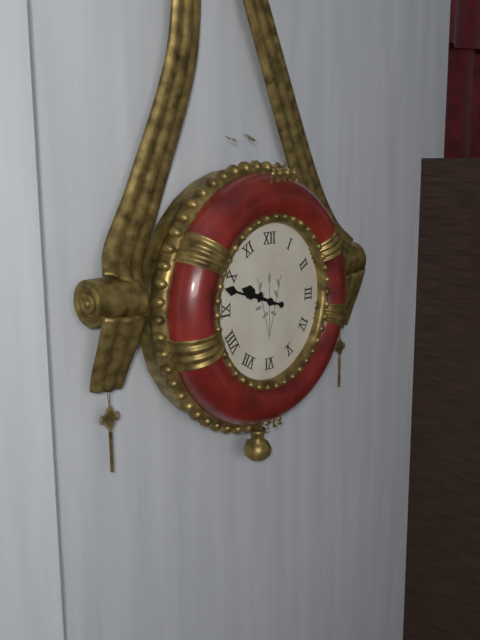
**9:48**
